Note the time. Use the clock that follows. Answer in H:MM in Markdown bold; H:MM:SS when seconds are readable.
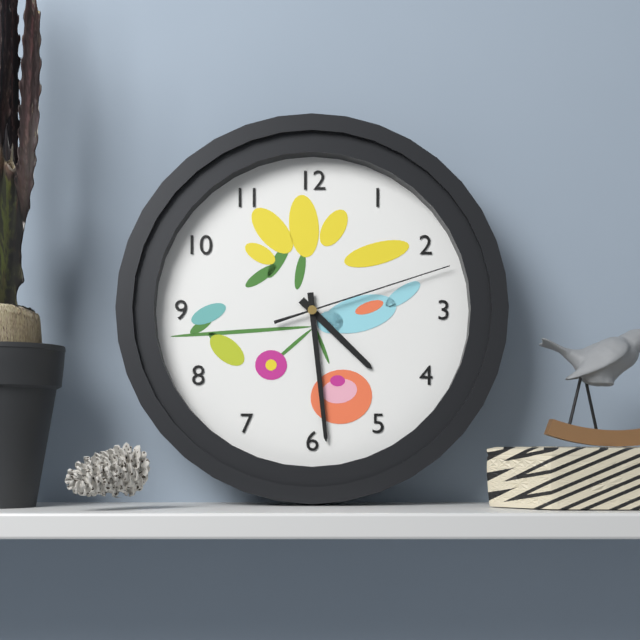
**4:29:12**
